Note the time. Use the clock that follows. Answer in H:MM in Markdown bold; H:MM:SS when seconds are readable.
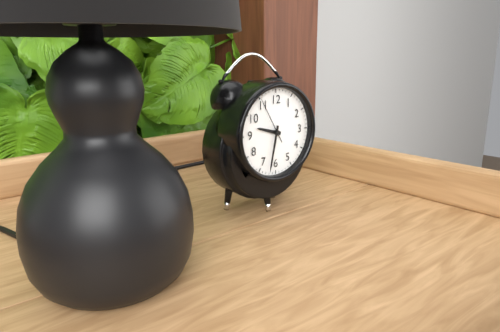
**9:32**
